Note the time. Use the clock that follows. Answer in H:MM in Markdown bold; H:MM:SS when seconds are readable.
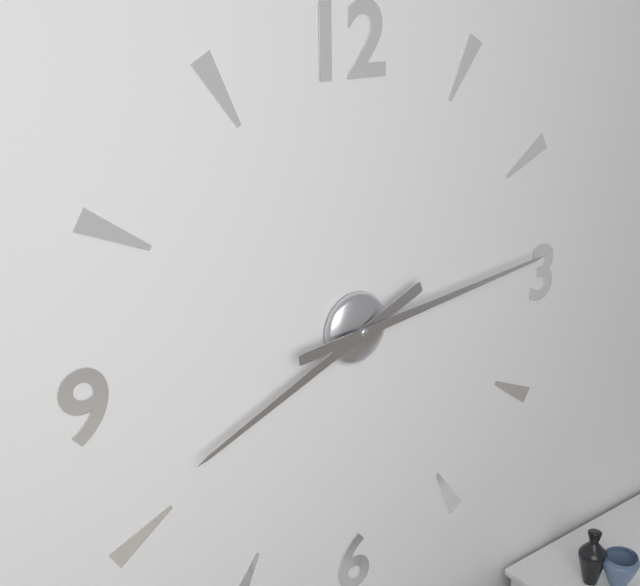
**8:14**
